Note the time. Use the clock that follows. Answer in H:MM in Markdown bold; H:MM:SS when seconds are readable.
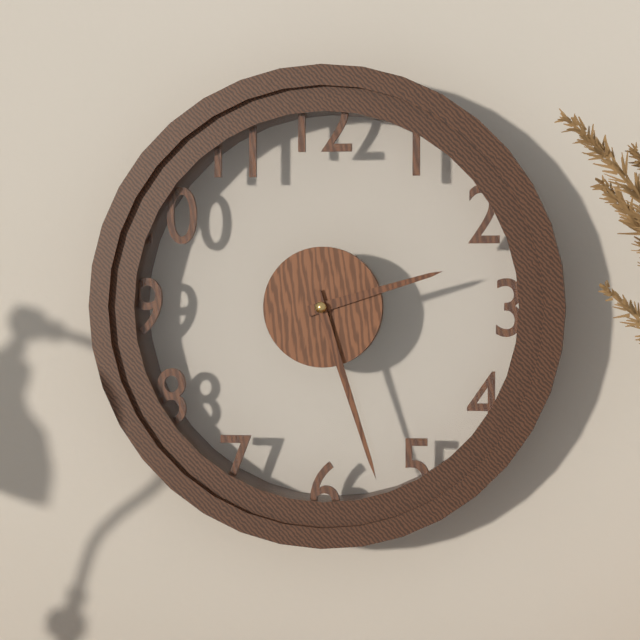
**2:27**
